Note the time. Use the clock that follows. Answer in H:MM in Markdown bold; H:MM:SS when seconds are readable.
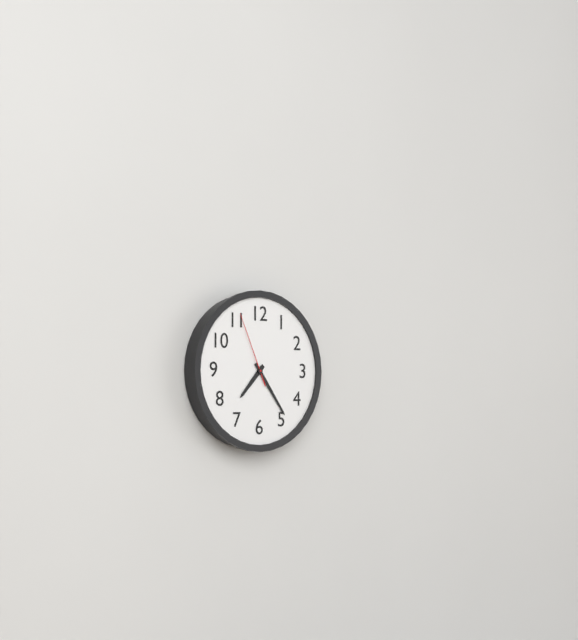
**7:24:56**
